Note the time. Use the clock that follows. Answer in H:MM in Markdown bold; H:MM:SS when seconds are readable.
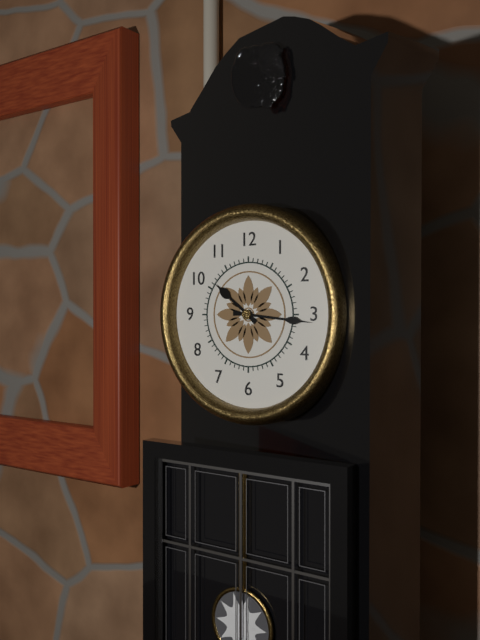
**10:16**
